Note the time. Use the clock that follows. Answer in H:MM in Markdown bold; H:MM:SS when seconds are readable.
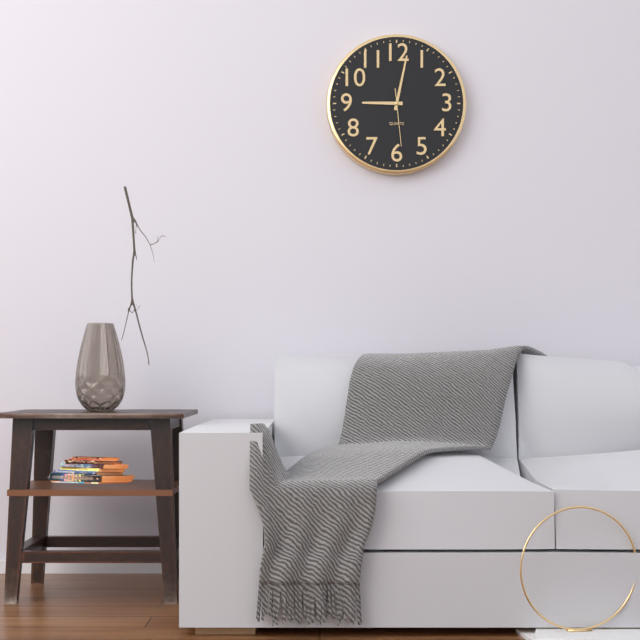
**9:02:29**
